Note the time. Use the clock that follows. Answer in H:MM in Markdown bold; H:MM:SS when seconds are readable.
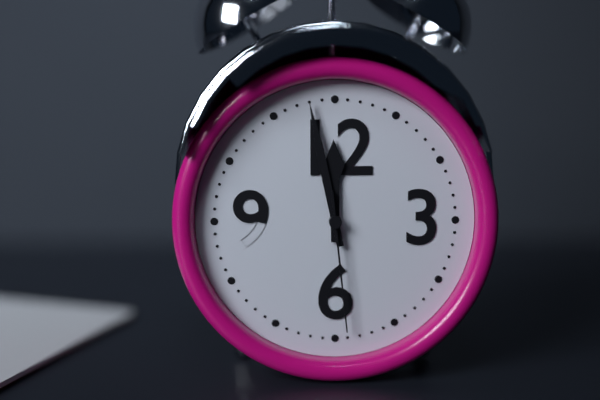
**11:58:29**
